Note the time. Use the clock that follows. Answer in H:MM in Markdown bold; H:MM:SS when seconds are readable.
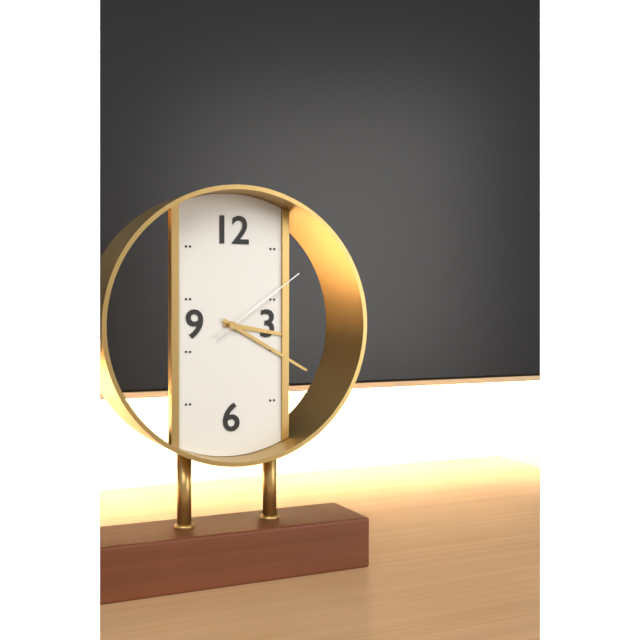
**3:20:09**
